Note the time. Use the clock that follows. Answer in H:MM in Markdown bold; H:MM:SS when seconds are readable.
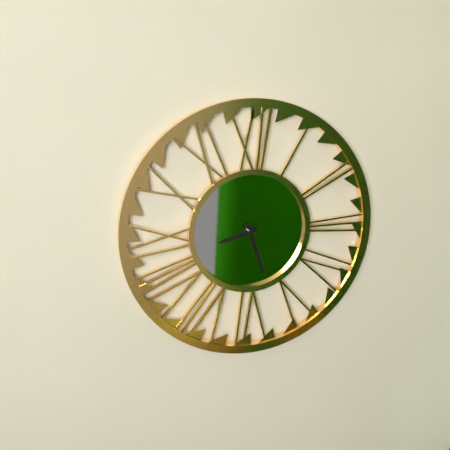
**8:27**
